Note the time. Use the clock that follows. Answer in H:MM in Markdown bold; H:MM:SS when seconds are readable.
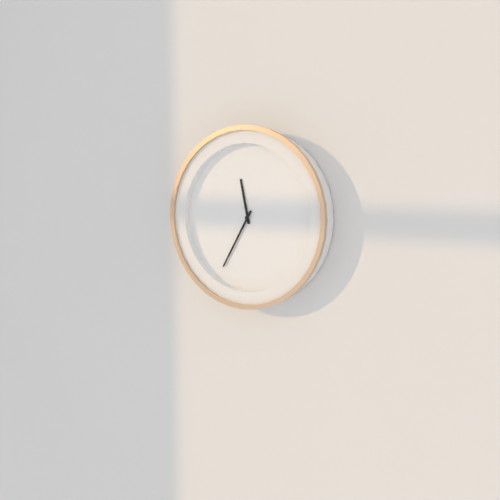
**11:35**
